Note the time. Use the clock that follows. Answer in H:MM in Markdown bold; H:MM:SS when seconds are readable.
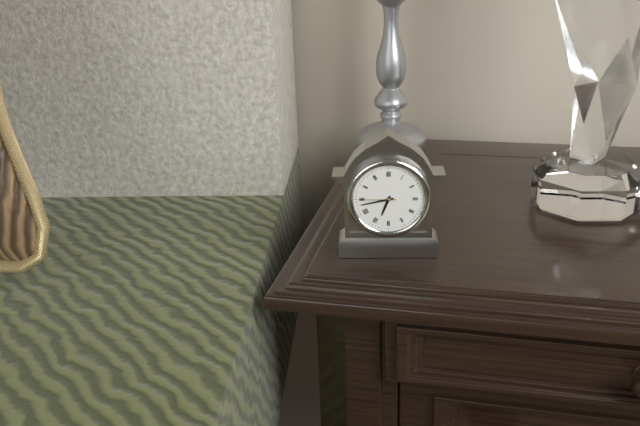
**6:43**
